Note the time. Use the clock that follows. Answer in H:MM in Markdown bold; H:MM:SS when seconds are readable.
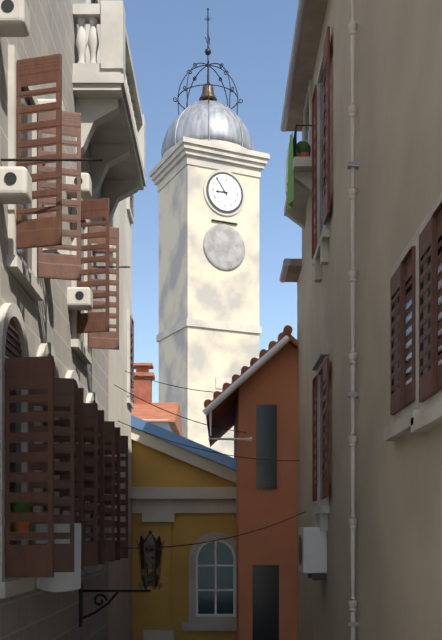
**8:54**
